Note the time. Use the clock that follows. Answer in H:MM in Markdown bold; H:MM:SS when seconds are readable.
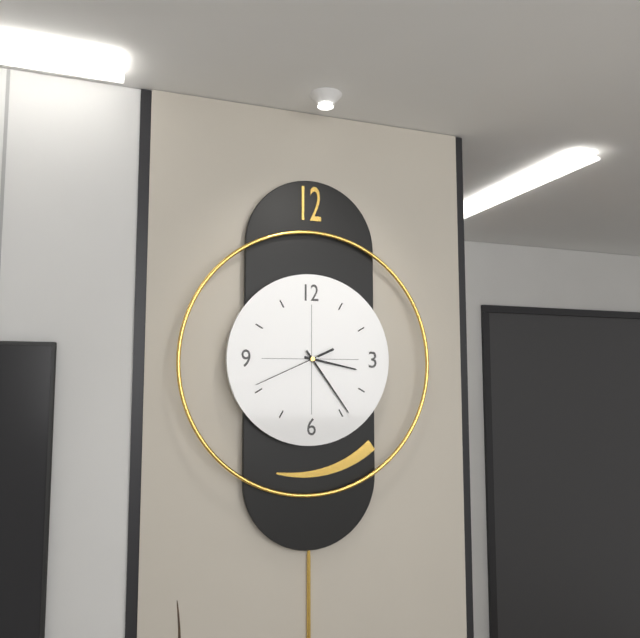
**3:24:41**
